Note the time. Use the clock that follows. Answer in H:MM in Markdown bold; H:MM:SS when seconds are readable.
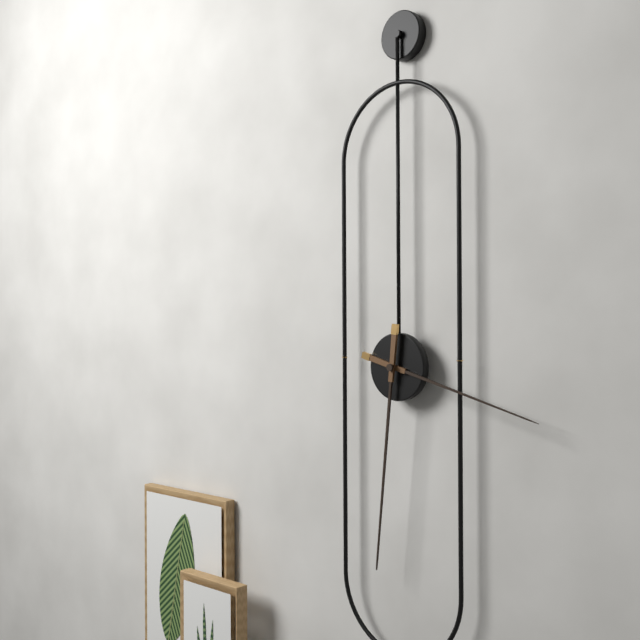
**3:31**
